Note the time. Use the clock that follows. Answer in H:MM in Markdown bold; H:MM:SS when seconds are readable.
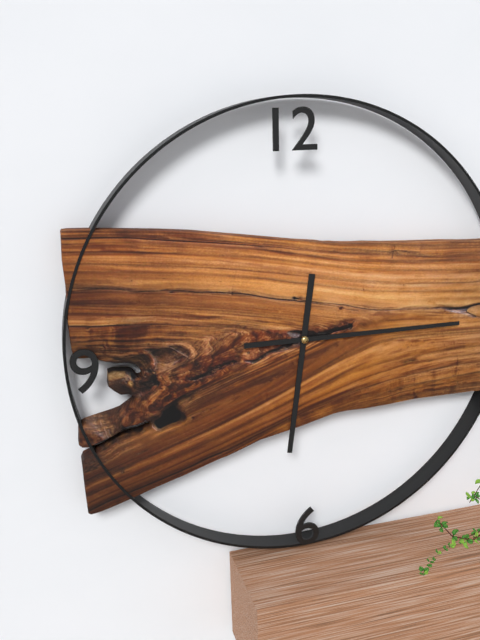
**6:15**
